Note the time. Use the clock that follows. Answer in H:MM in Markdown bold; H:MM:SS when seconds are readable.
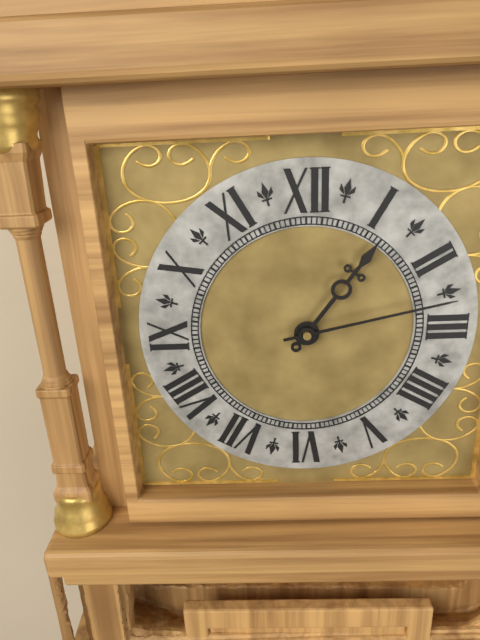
**1:13**
